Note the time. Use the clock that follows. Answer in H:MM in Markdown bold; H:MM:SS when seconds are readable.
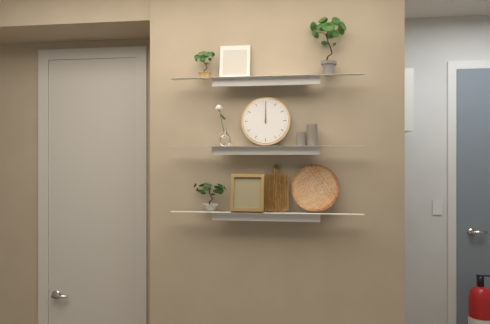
**12:00**
